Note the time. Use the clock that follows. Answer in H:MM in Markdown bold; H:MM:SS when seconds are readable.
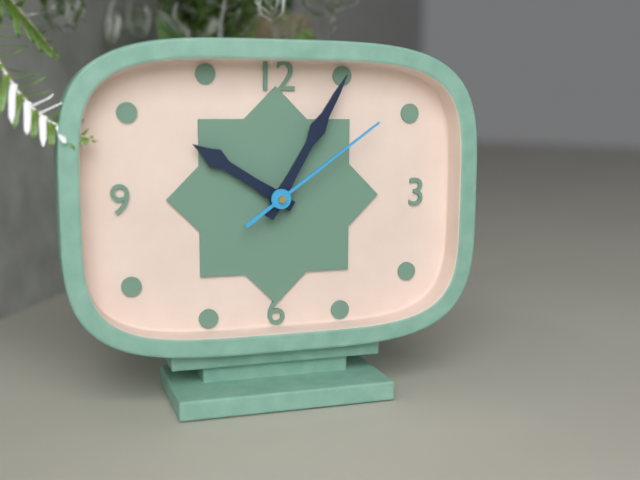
**10:05:09**
